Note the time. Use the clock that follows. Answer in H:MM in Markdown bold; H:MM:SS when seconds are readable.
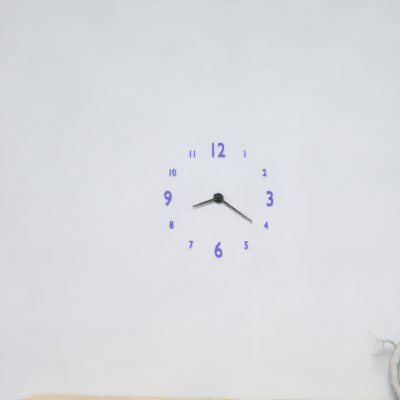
**8:21**
